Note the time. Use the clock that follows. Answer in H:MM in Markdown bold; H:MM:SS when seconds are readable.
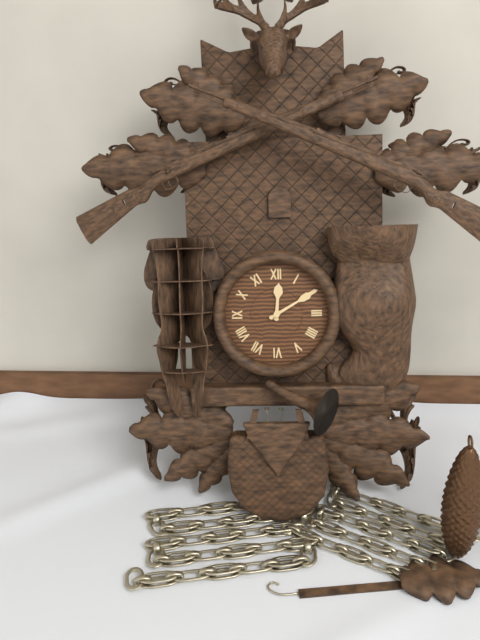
**12:10**
